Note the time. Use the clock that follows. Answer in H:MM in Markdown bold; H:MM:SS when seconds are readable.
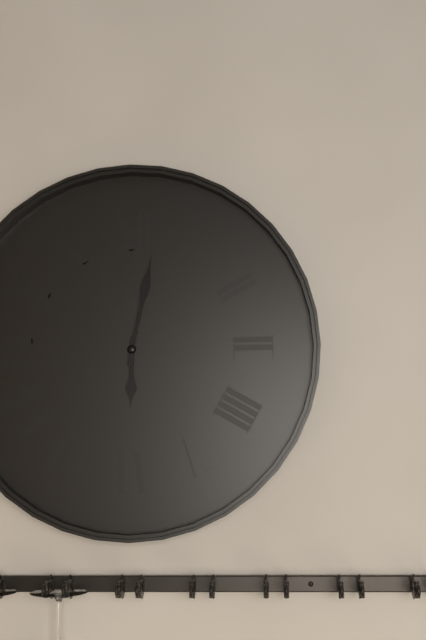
**6:02**
